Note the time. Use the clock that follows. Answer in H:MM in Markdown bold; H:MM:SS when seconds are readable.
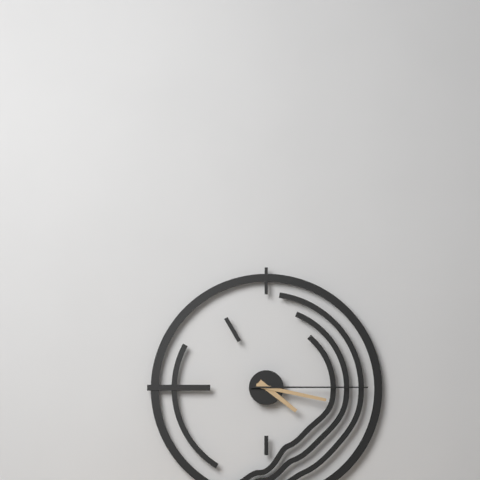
**4:17:15**
